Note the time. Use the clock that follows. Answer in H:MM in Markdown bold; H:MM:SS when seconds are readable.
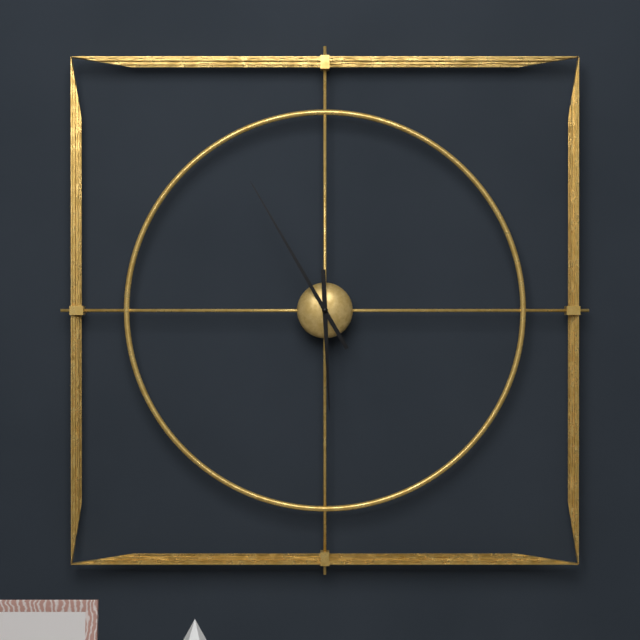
**5:55**
